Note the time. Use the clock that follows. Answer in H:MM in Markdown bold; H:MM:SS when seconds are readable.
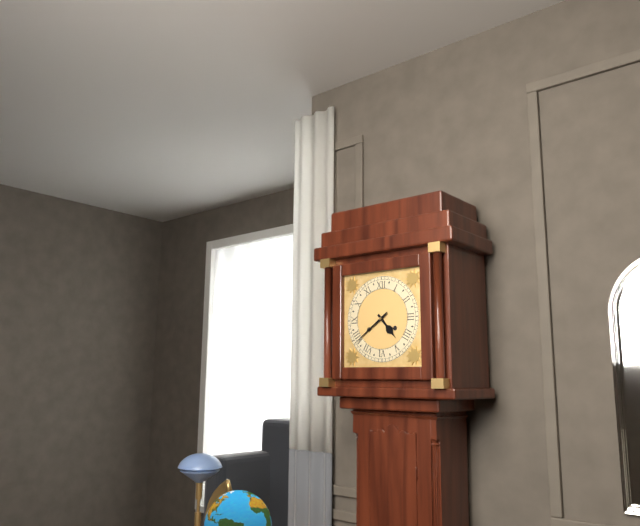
**4:39**
